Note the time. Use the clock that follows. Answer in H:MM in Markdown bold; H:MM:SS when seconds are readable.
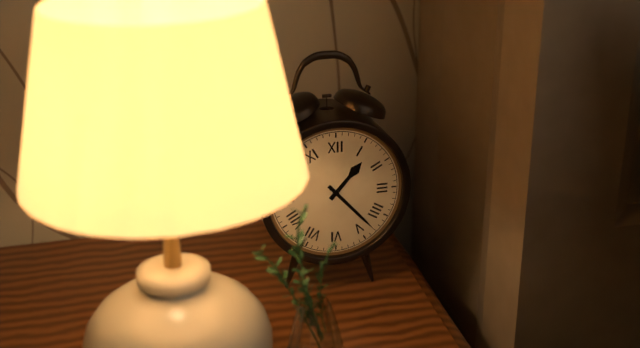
**1:23**
